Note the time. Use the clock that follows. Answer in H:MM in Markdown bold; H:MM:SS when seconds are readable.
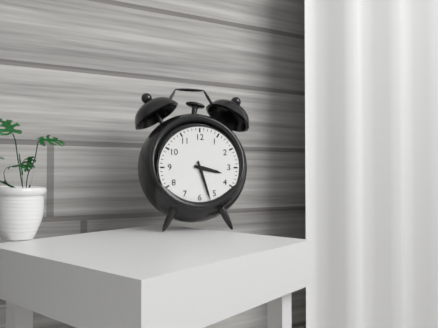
**3:27**
